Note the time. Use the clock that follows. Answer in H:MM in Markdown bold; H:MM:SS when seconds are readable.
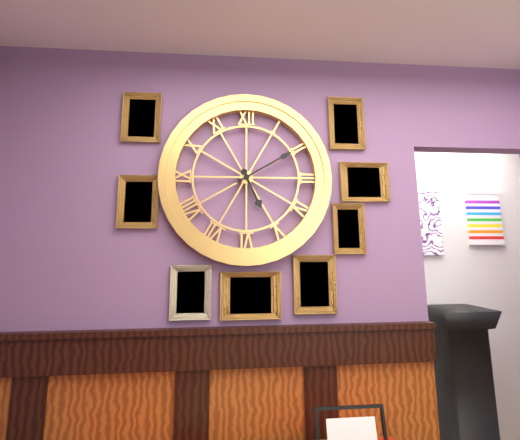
**5:10**
